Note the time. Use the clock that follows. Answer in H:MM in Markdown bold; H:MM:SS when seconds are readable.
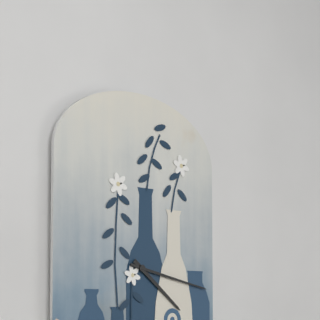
**4:17**
